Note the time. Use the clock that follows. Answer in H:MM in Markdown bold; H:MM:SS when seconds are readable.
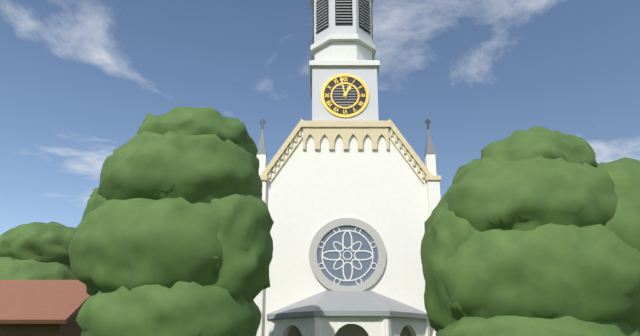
**12:58**
